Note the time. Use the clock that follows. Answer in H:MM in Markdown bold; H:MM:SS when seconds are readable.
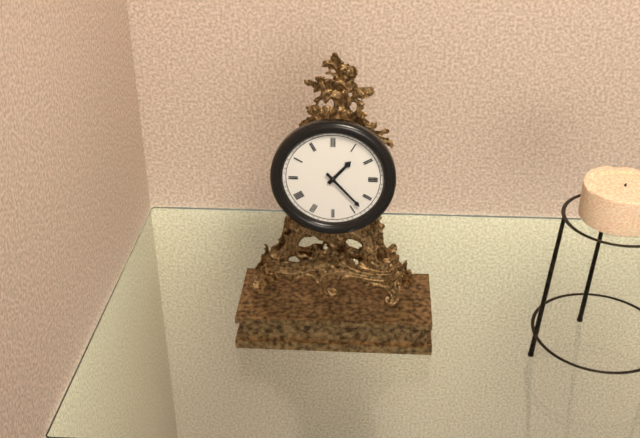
**1:23**
